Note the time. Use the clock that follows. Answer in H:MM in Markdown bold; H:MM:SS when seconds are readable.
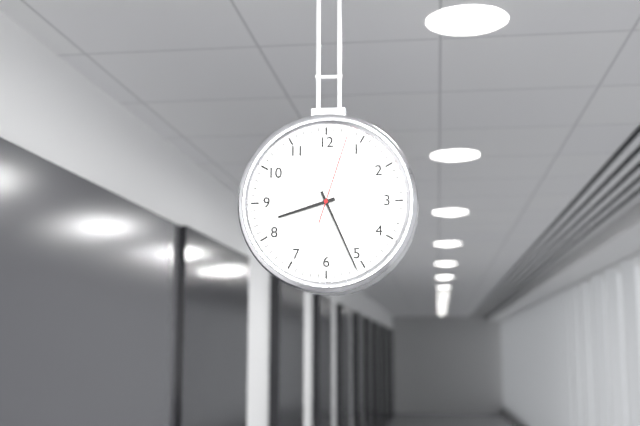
**8:26:03**
